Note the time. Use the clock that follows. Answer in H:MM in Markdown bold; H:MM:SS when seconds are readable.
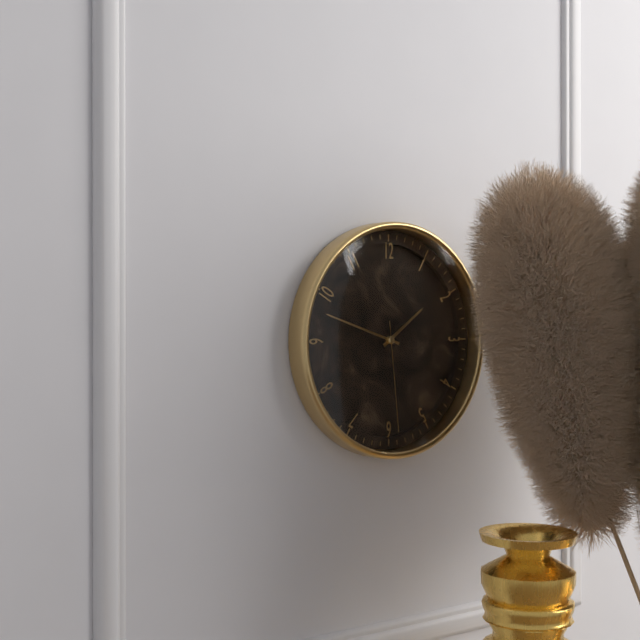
**1:48:29**
